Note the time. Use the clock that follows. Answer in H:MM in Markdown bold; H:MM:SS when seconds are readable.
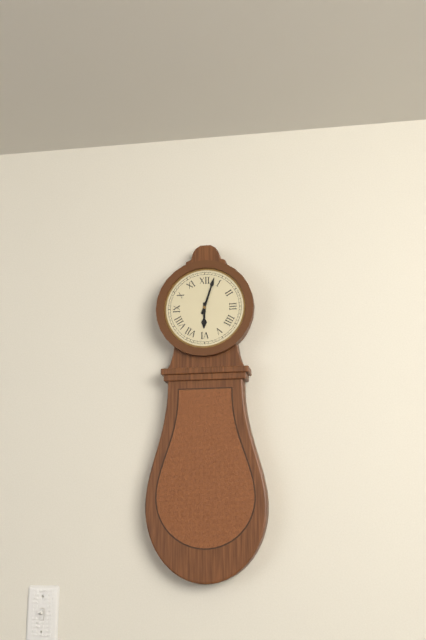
**6:03**
